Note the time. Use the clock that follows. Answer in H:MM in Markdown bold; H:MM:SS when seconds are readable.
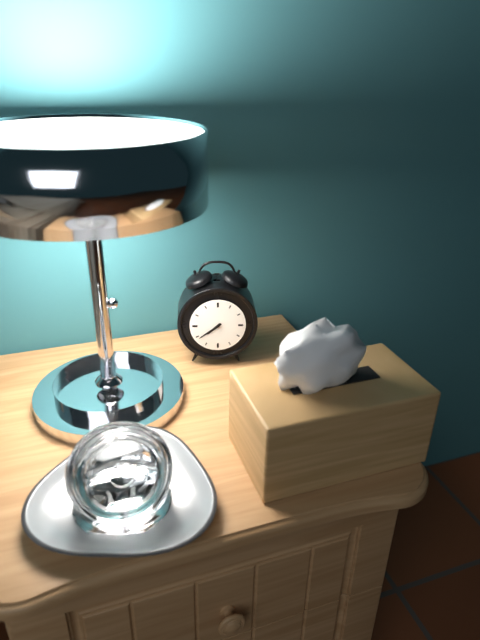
**7:39**
